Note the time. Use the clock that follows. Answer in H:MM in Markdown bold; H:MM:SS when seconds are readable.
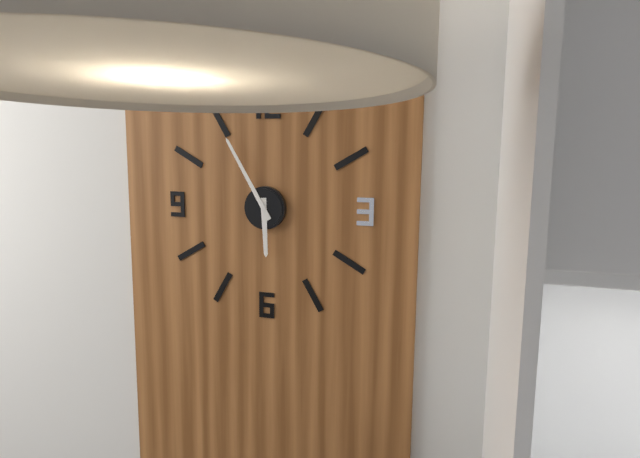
**5:55**
